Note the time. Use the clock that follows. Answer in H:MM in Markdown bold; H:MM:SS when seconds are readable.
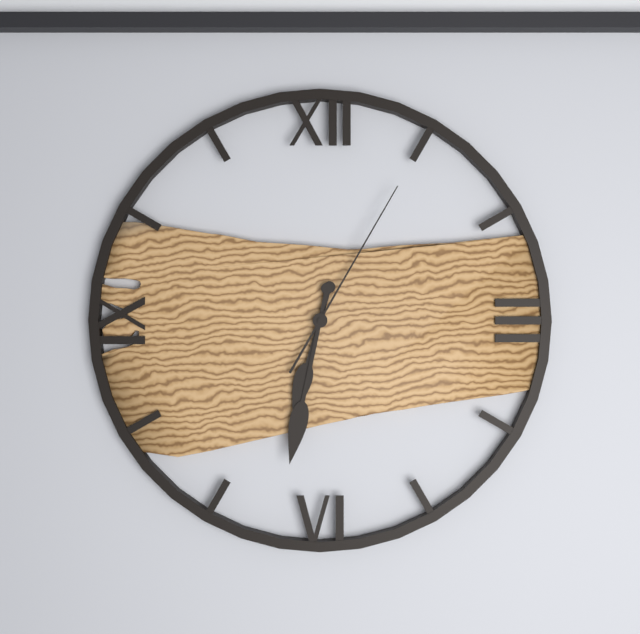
**6:32:05**
